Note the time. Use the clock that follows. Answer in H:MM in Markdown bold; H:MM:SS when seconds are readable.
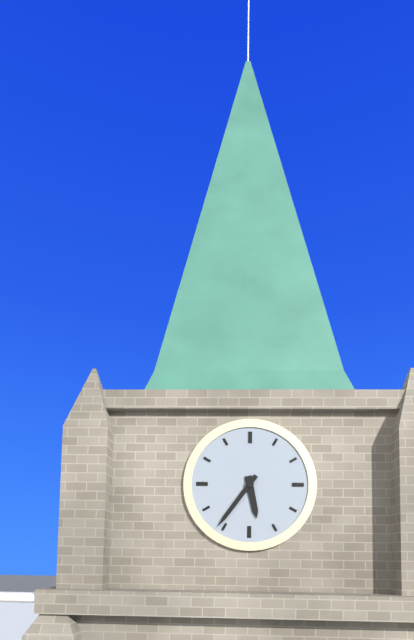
**5:36**
